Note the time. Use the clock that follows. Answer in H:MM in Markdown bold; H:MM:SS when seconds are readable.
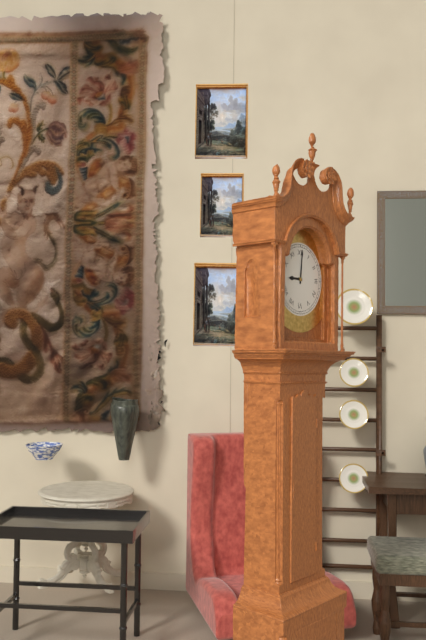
**9:01**
